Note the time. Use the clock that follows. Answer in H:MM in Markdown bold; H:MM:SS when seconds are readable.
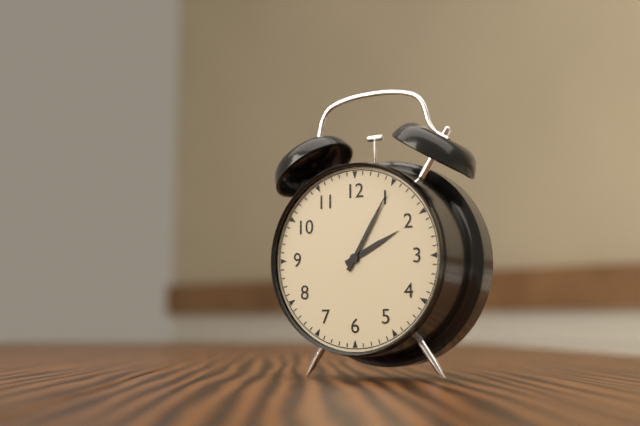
**2:05**
